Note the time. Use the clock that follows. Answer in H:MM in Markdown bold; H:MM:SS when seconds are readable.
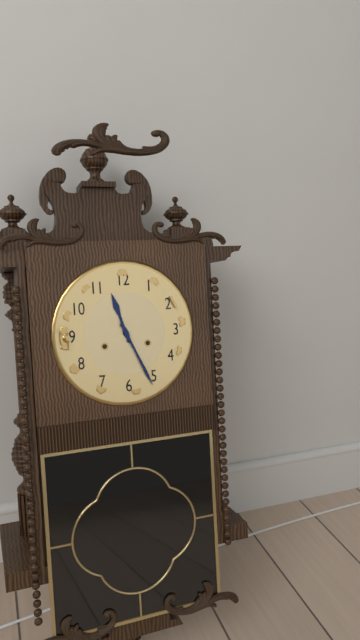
**11:26**
